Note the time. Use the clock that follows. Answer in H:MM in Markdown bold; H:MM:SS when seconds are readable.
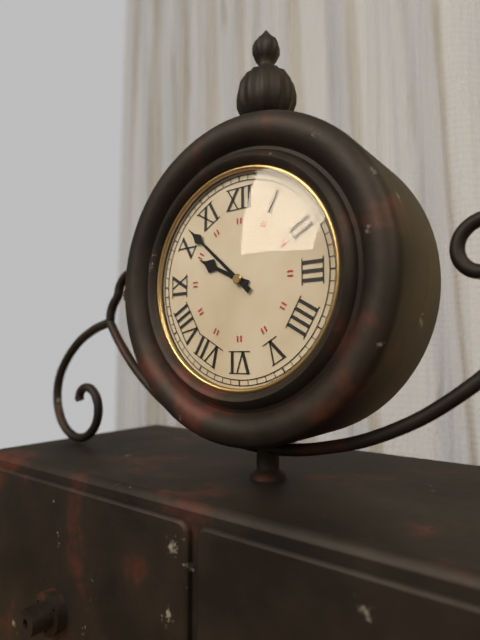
**9:52**
